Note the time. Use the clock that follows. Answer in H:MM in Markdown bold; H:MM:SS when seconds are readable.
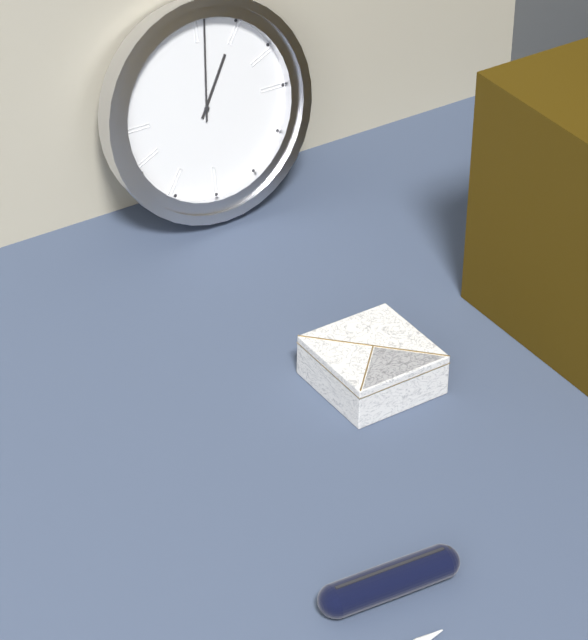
**1:01**
